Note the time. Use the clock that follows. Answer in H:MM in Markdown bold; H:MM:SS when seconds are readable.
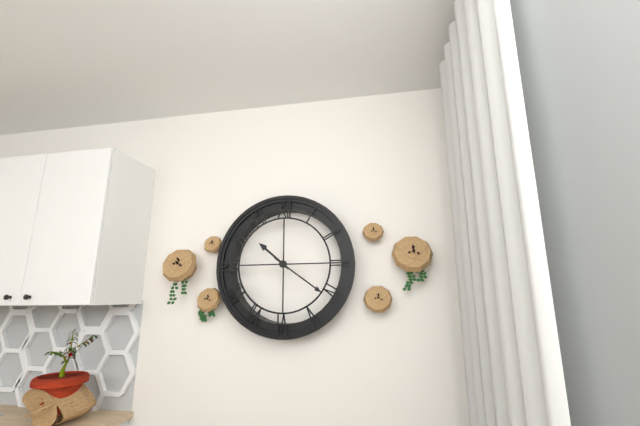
**10:21**
